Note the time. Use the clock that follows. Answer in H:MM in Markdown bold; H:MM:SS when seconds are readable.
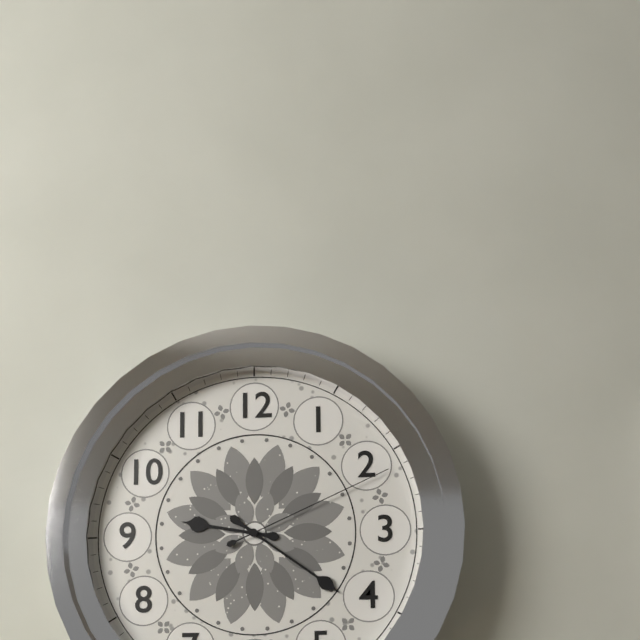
**9:21:11**
